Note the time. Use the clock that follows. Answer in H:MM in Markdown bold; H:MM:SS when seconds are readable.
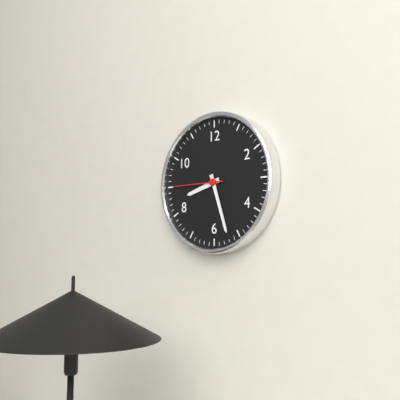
**8:27:45**
